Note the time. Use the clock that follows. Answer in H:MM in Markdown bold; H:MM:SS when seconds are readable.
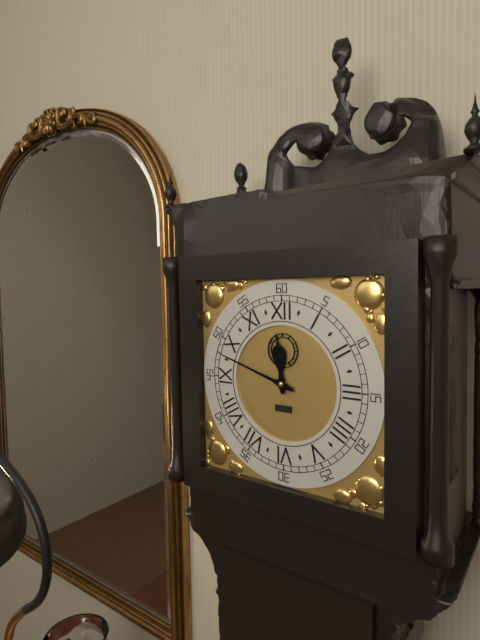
**11:48**
